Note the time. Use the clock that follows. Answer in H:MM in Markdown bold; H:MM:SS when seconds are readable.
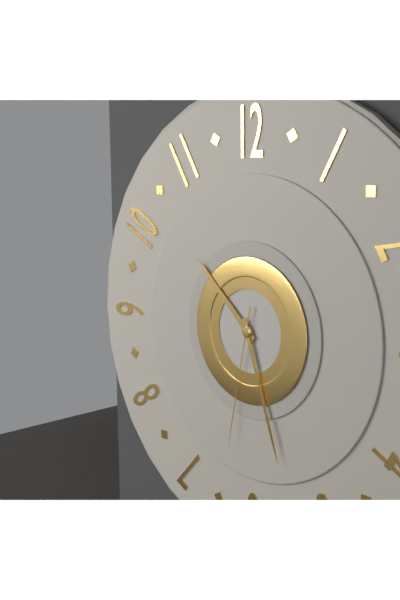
**10:27:32**
